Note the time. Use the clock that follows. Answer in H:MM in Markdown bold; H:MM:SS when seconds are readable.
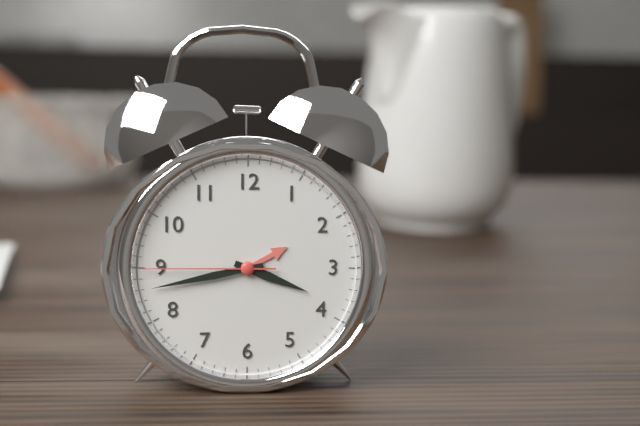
**3:43:45**
